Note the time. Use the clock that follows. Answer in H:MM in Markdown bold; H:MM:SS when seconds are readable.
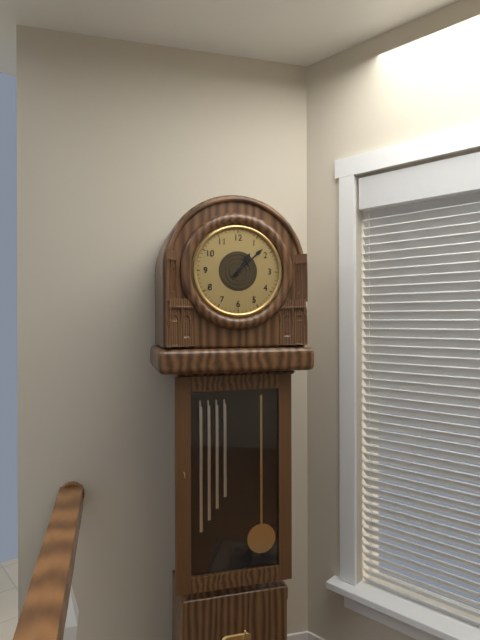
**1:08**
